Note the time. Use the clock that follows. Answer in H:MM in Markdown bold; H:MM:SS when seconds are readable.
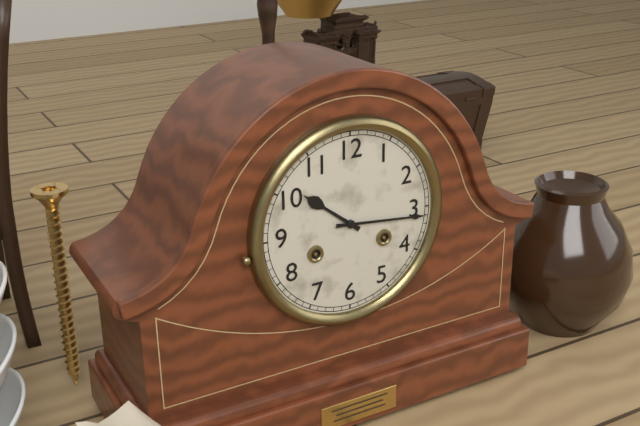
**10:16**
